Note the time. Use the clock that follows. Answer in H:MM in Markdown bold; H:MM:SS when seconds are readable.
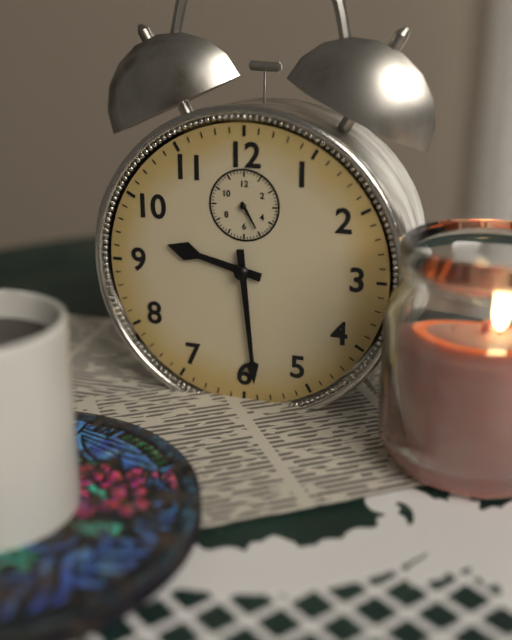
**9:29**
